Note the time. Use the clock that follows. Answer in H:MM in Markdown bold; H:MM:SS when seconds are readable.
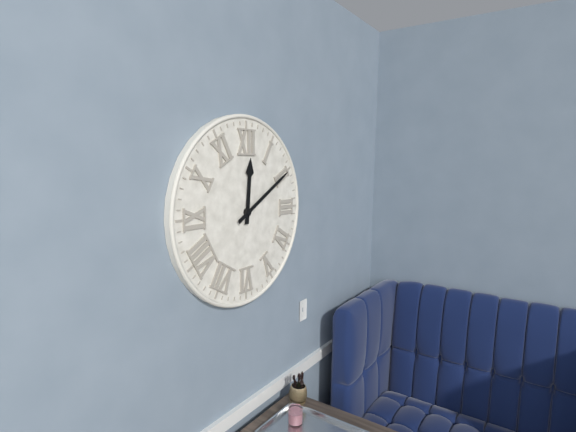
**12:10**
